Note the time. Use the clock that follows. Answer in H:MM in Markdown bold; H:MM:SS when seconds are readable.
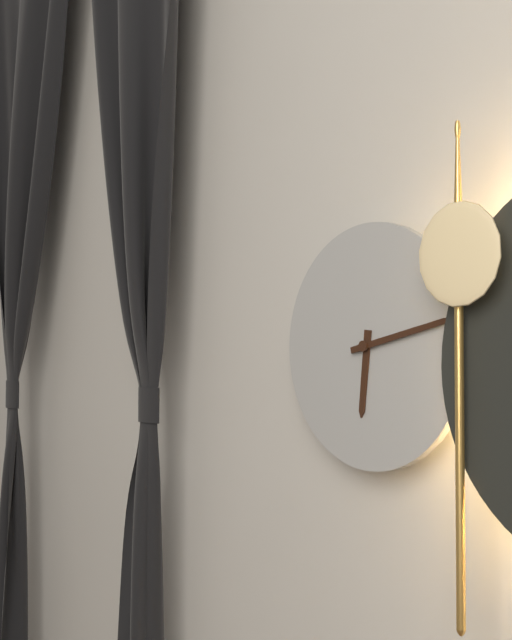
**6:13**
